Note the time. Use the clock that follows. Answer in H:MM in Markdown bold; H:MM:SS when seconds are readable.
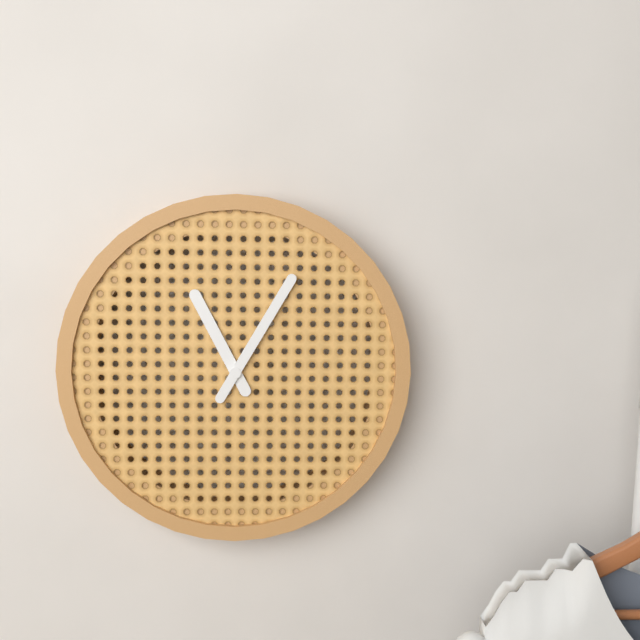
**11:05**
